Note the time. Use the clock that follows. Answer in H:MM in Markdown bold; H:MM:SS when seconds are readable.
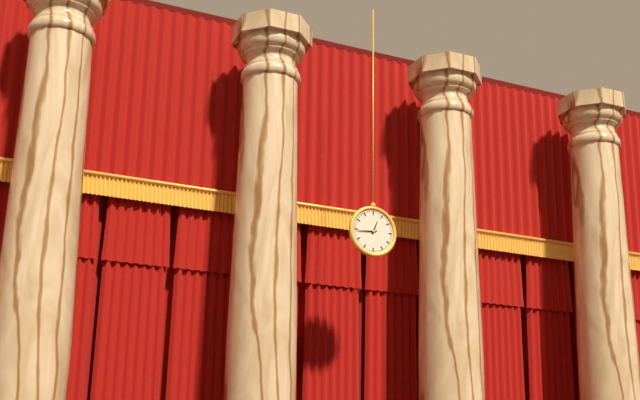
**12:44**
